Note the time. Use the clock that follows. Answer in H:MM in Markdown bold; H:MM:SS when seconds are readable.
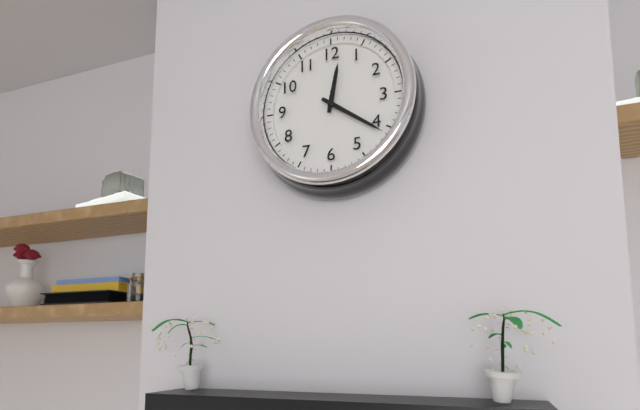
**12:21**
